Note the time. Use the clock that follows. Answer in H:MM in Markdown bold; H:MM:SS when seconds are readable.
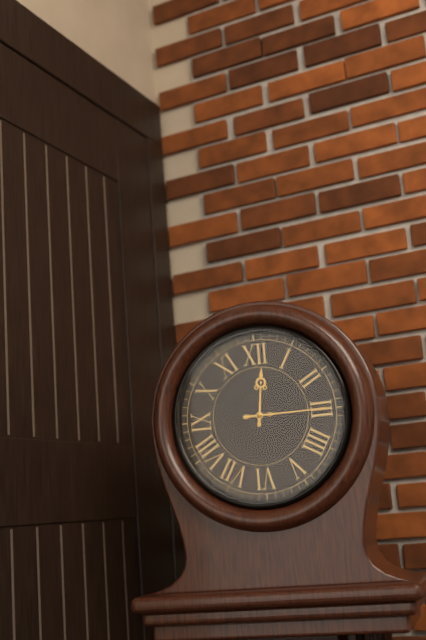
**12:15**
